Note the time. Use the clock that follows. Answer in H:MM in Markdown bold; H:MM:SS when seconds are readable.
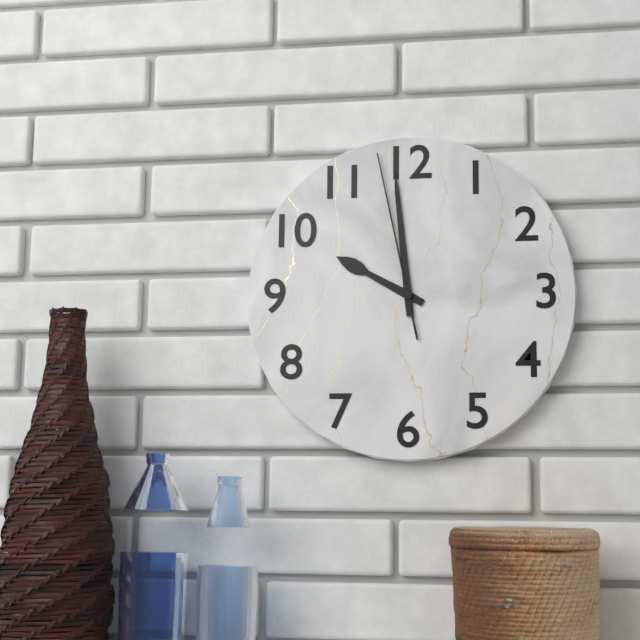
**9:59:58**
